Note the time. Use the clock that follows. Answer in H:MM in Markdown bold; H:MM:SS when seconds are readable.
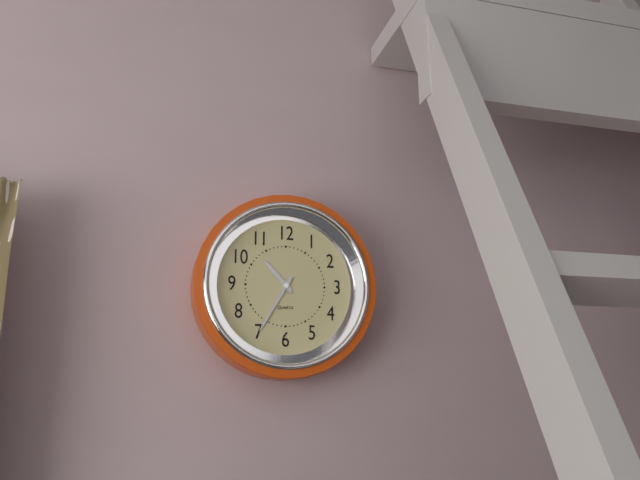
**10:35**
